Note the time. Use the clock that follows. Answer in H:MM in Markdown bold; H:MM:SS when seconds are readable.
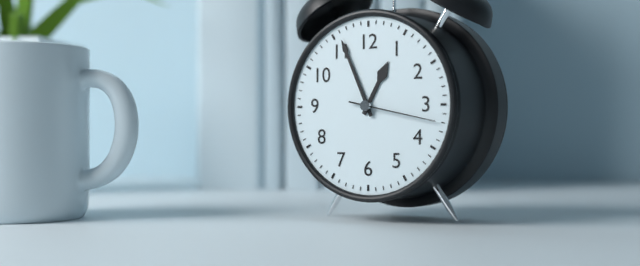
**12:56:17**
